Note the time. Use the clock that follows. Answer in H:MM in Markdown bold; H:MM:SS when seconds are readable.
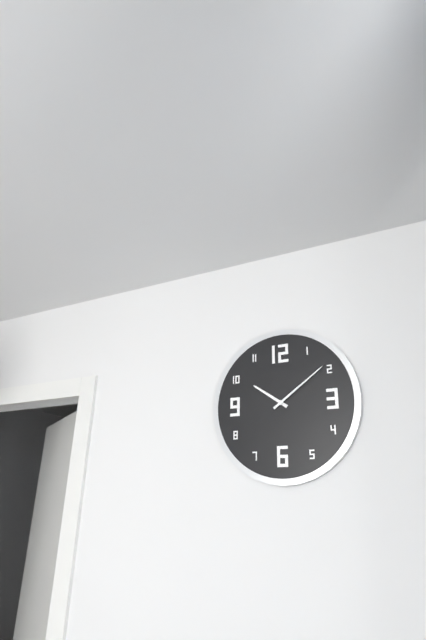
**10:09**
